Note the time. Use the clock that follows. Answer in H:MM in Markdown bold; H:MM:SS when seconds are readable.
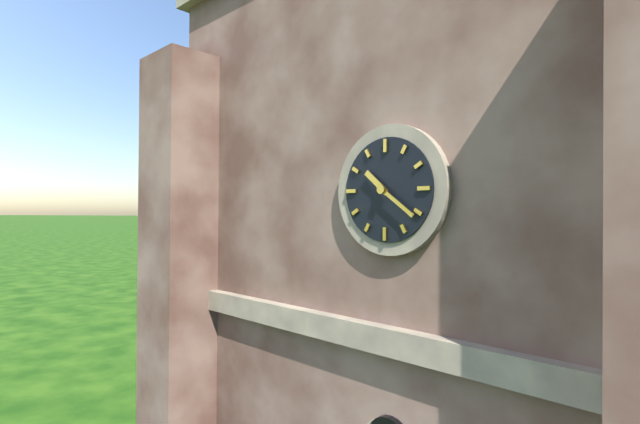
**10:21**
